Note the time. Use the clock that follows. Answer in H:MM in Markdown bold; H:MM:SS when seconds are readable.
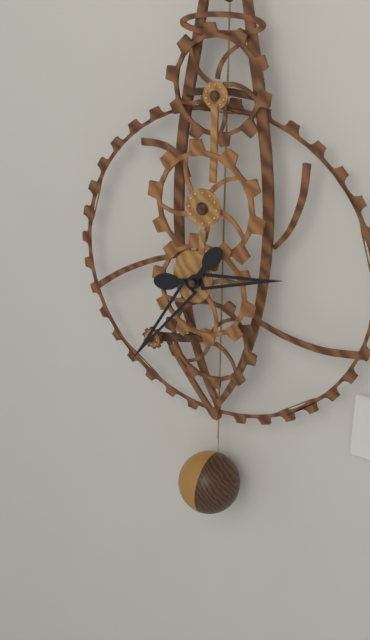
**2:36**
